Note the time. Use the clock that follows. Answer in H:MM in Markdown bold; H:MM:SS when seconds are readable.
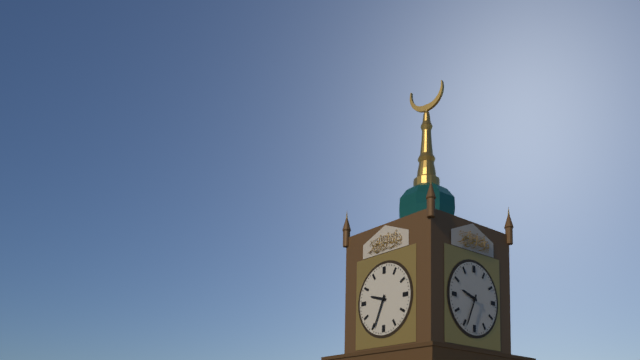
**9:34**
